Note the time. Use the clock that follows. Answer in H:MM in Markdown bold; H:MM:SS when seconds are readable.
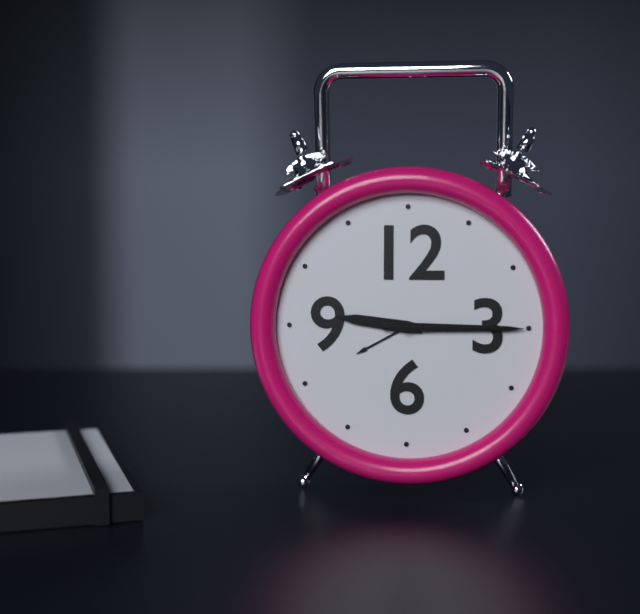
**9:15:15**
